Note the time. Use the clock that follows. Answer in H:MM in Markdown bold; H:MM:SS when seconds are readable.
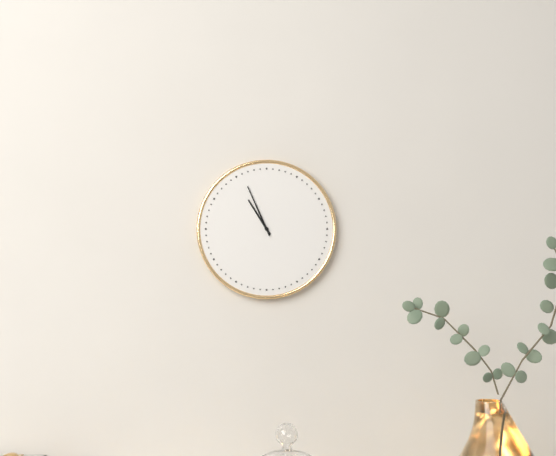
**10:56**
